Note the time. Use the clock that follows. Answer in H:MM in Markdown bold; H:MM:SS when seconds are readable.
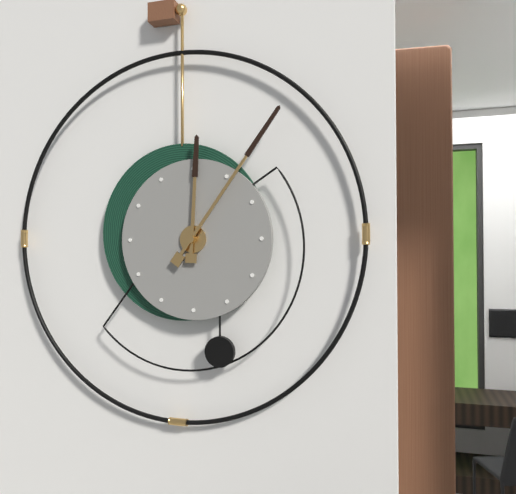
**12:06**
